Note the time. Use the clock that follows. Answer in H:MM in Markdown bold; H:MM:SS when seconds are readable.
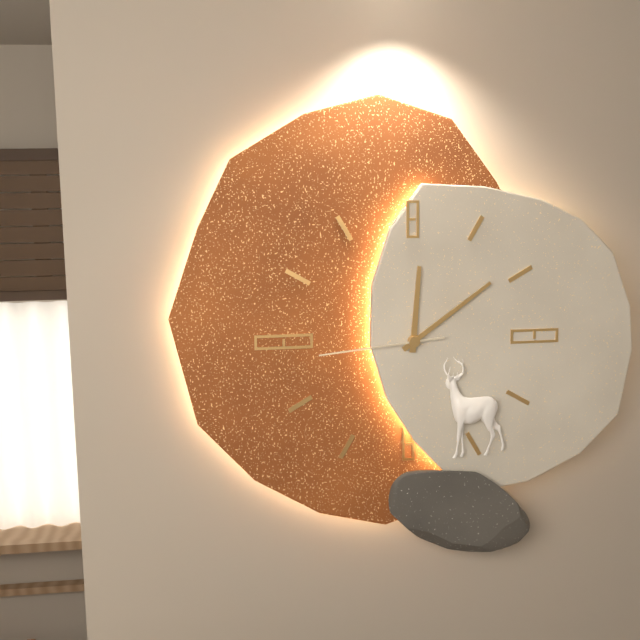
**12:09:44**
